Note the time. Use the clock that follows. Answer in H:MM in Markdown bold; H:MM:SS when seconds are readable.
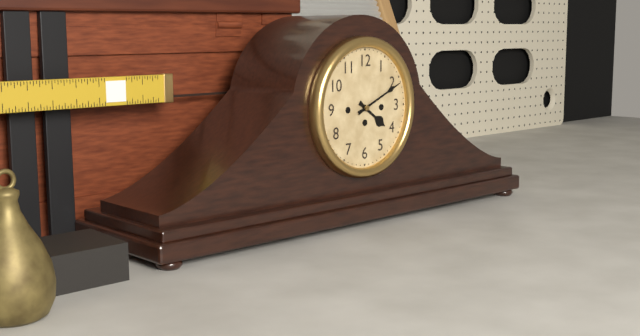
**4:11**
